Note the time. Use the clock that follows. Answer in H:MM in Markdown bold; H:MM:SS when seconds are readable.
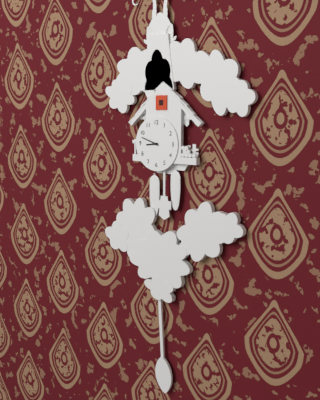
**8:48**
